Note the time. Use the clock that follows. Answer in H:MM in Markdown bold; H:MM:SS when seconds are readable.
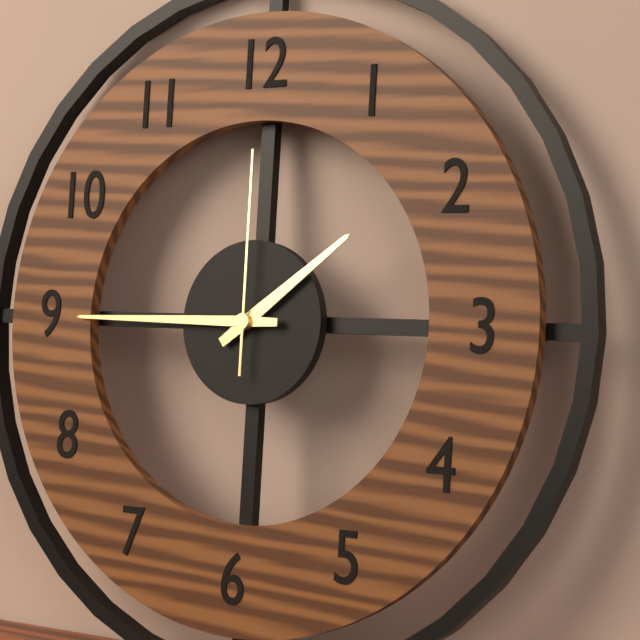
**1:45:00**
